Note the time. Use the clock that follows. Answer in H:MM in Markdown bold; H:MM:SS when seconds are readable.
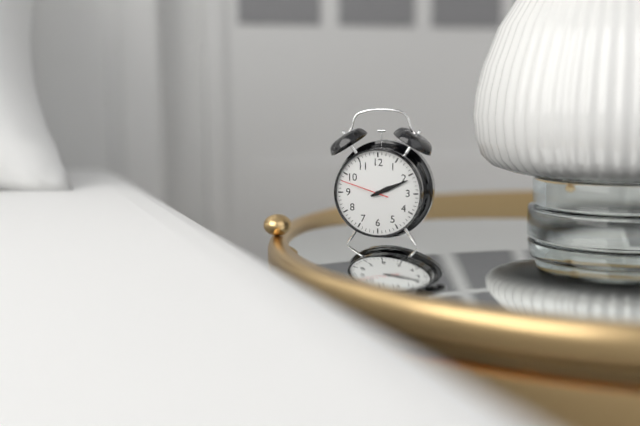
**2:11:48**
